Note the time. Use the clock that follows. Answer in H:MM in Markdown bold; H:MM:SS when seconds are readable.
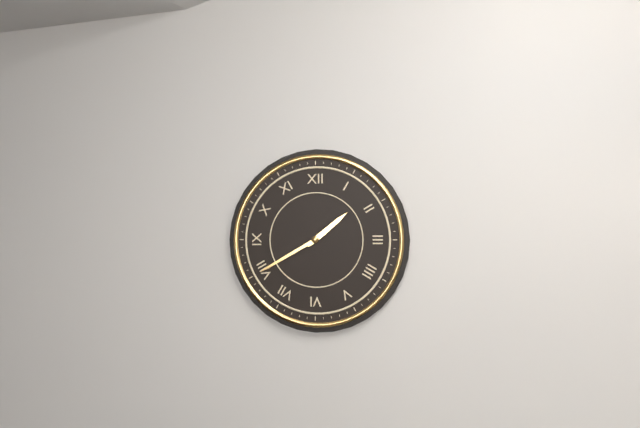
**1:40**
